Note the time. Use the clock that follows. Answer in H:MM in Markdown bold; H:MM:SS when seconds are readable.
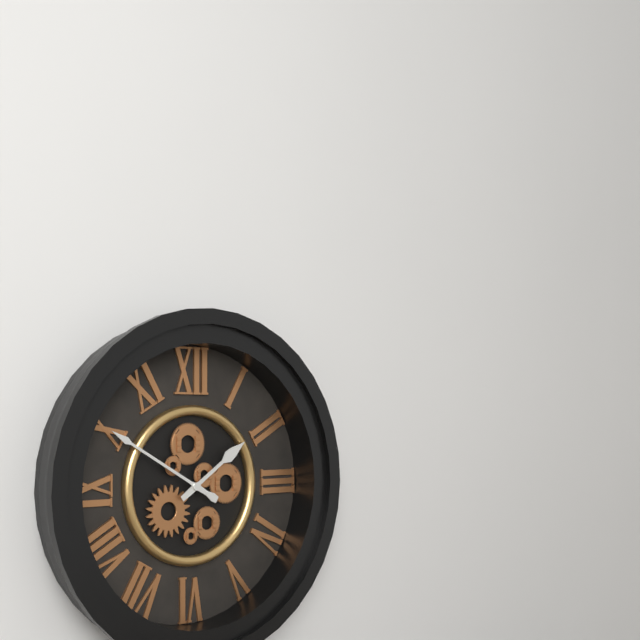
**1:50**
